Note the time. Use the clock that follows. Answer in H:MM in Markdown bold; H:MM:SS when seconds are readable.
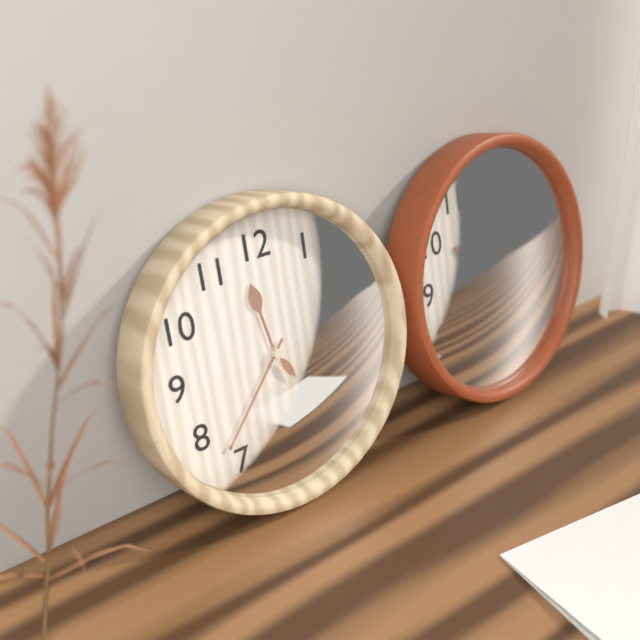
**11:37**
